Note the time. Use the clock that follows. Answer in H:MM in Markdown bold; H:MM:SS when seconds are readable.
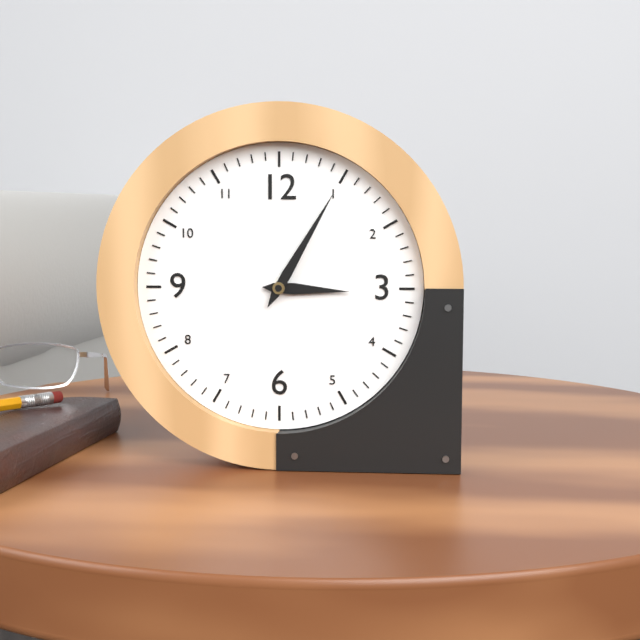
**3:05**
